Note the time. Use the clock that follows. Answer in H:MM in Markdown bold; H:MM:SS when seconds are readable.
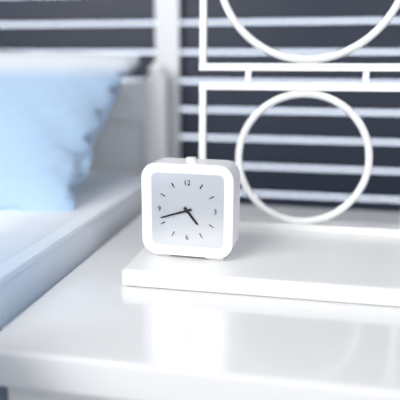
**4:42**
